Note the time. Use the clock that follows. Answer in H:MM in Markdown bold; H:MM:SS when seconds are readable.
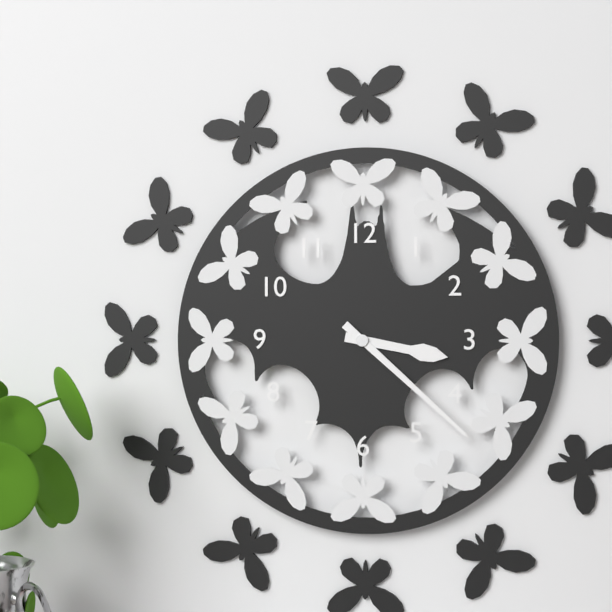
**3:22**
